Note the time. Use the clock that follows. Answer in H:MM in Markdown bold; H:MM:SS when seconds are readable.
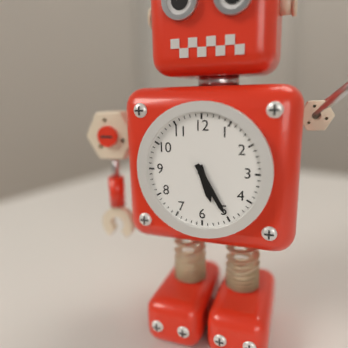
**5:25**
